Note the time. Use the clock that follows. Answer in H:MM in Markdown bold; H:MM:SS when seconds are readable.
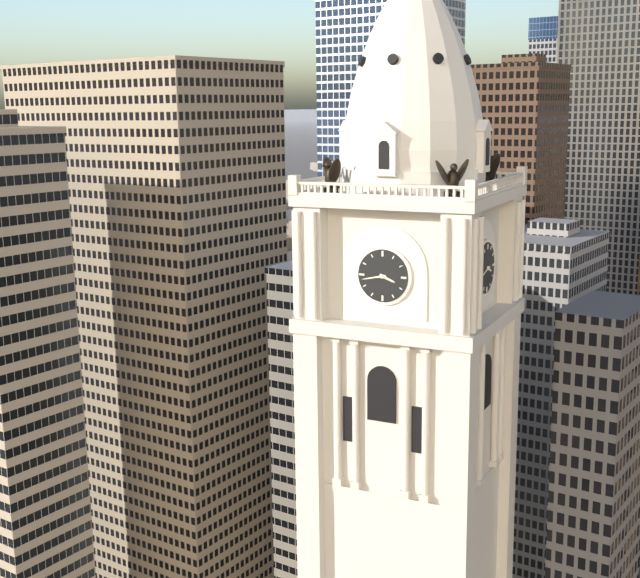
**3:43**
